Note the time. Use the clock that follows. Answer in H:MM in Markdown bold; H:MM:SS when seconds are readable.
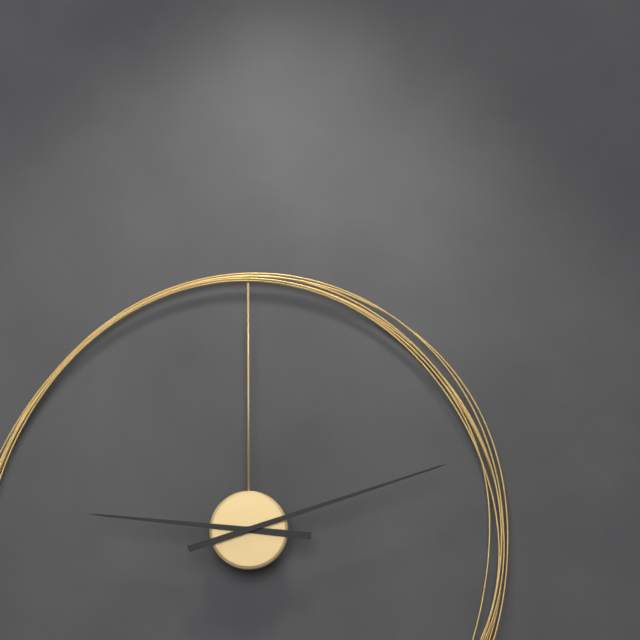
**9:12**
